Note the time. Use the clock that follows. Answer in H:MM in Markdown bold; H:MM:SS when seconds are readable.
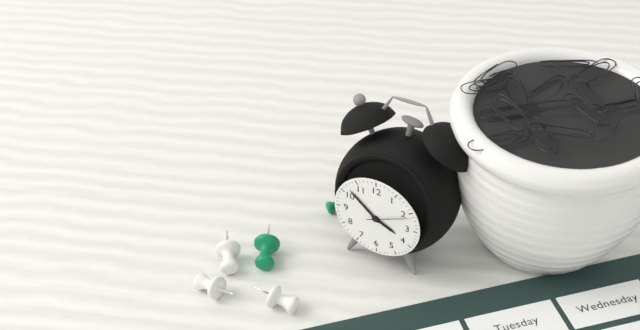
**3:52**
